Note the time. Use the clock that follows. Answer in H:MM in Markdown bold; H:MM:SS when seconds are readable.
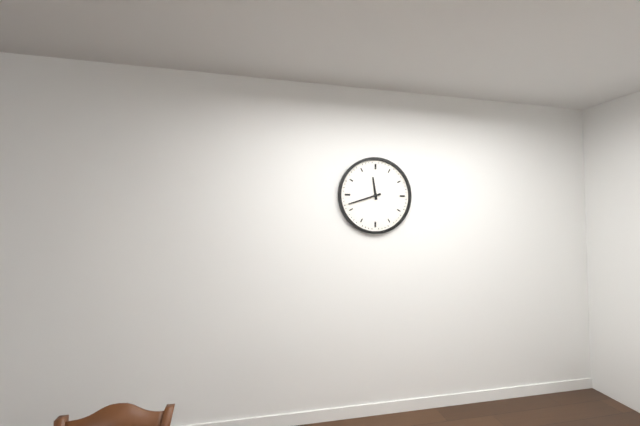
**11:42**
